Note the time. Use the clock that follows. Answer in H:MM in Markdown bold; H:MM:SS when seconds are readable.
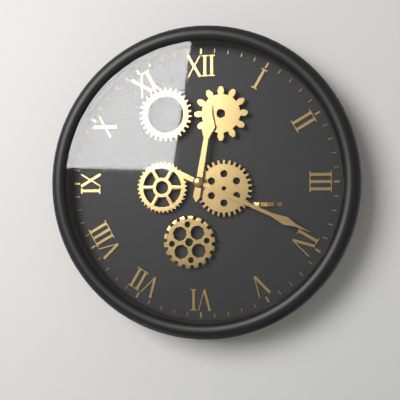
**12:19**
